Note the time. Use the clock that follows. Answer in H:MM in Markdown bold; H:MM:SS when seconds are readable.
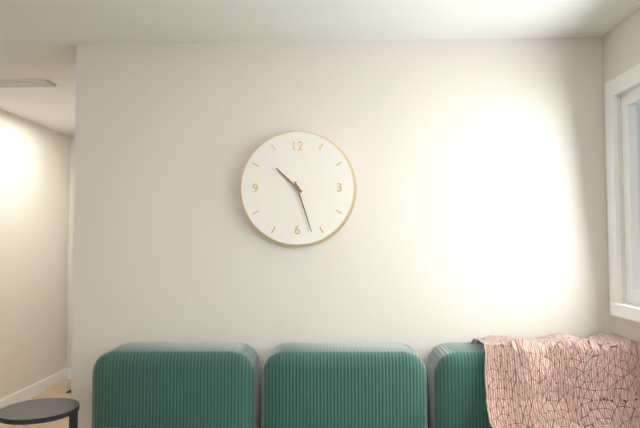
**10:27**
